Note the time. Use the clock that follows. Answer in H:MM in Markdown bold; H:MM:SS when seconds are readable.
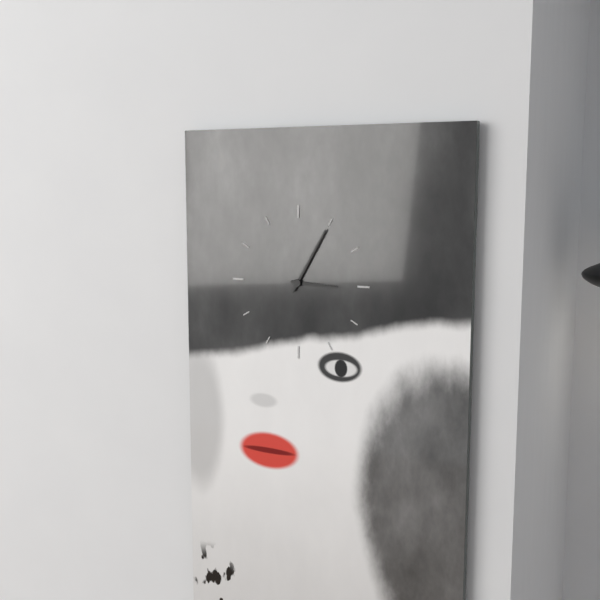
**3:05**
